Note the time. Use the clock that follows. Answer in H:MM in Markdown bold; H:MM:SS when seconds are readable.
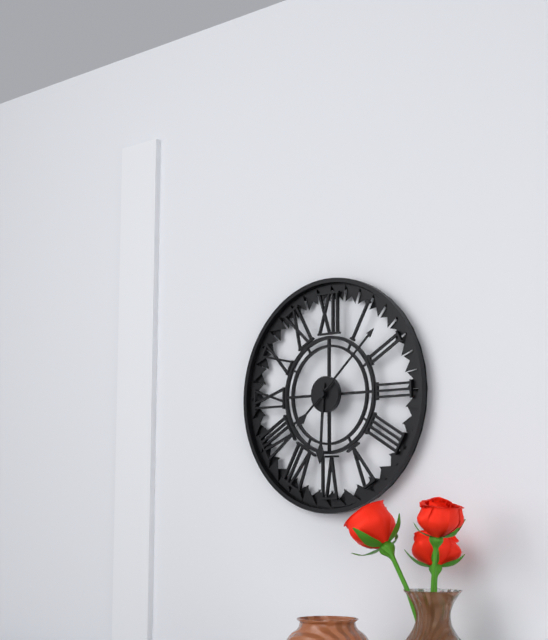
**6:08**
